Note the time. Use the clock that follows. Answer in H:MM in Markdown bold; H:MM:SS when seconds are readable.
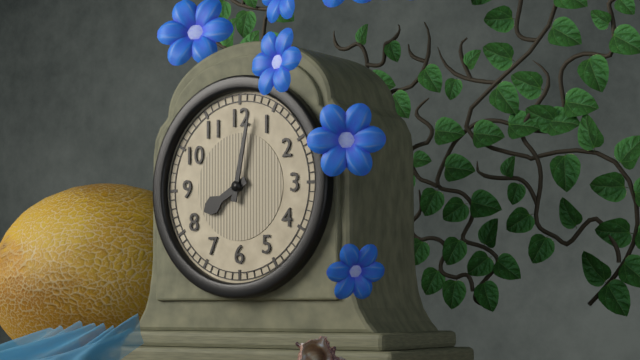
**8:02**
